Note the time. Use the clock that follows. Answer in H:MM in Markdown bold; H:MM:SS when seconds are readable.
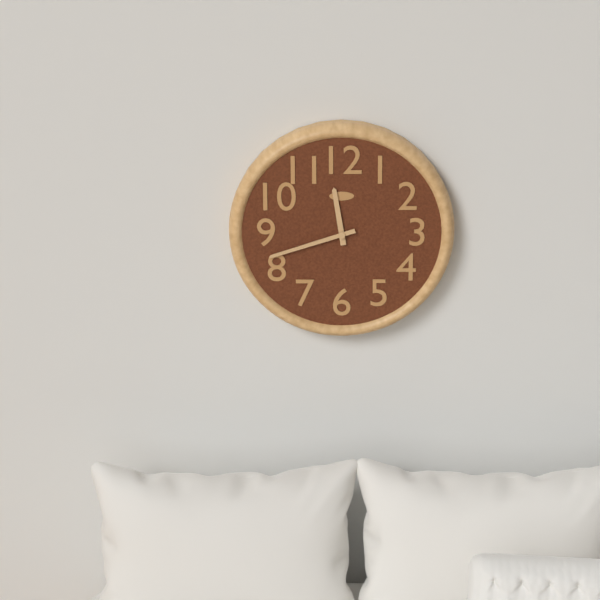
**11:42**
